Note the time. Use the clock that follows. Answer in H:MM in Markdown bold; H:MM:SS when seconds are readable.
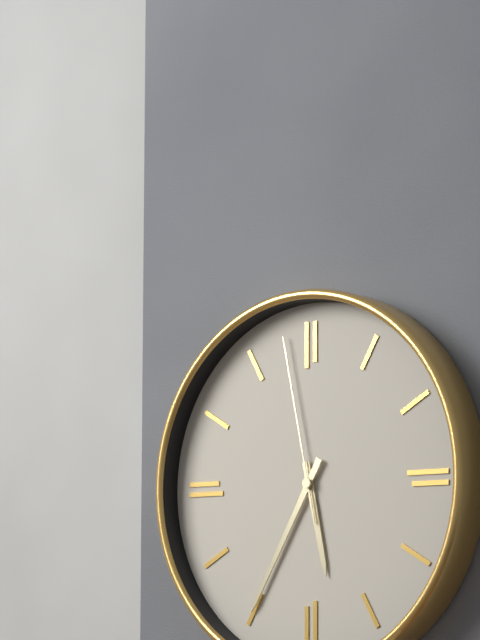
**5:35:58**
